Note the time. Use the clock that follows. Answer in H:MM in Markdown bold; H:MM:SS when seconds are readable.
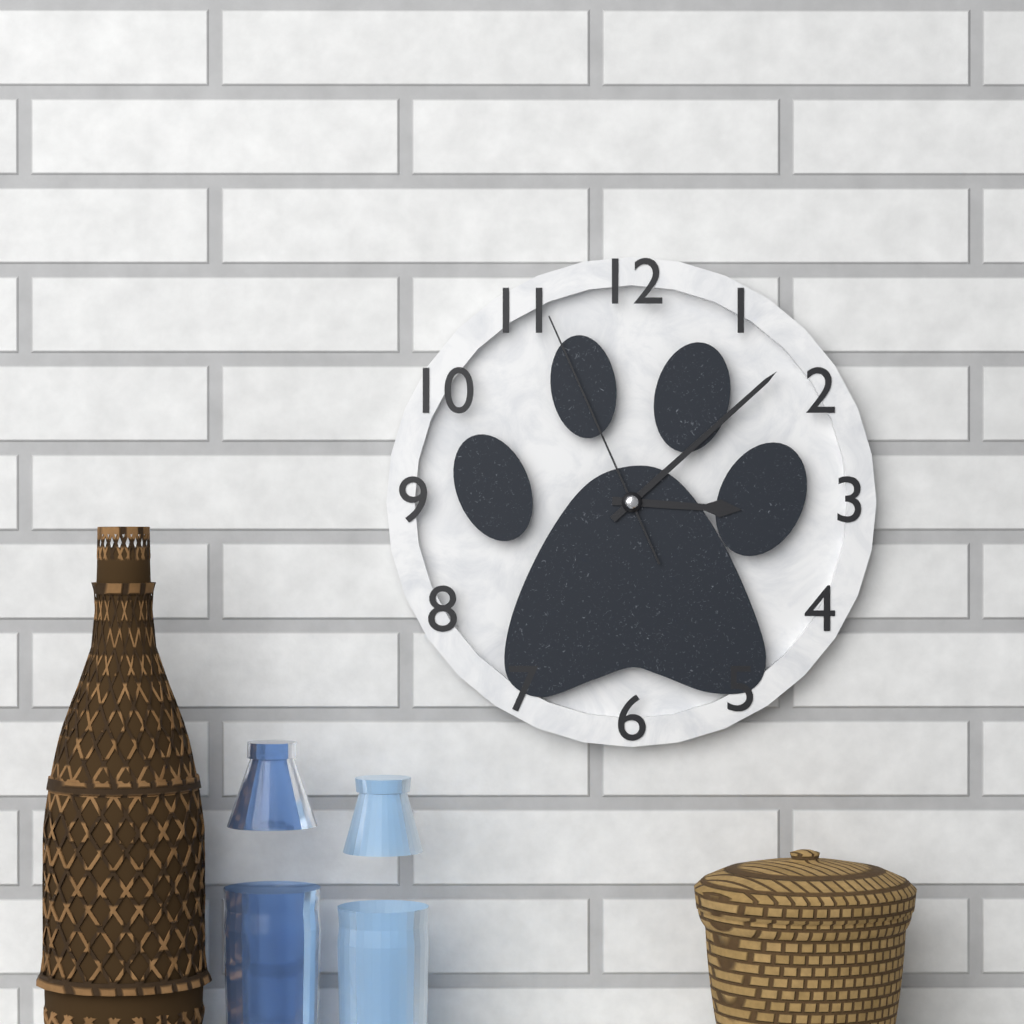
**3:08:56**
